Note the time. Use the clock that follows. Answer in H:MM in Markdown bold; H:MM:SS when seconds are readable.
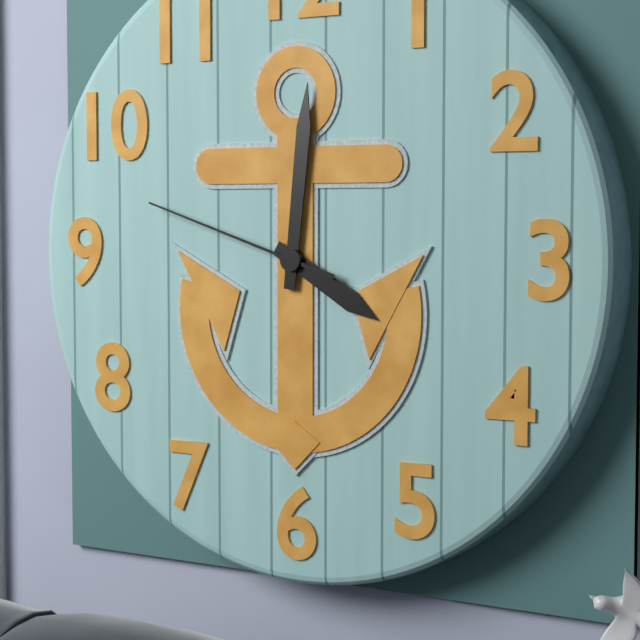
**4:01:48**
